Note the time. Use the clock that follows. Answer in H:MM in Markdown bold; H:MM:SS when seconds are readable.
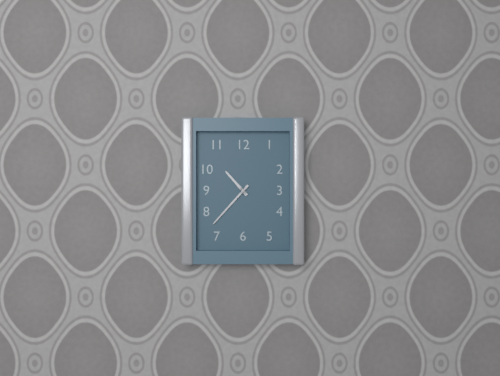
**10:37**
